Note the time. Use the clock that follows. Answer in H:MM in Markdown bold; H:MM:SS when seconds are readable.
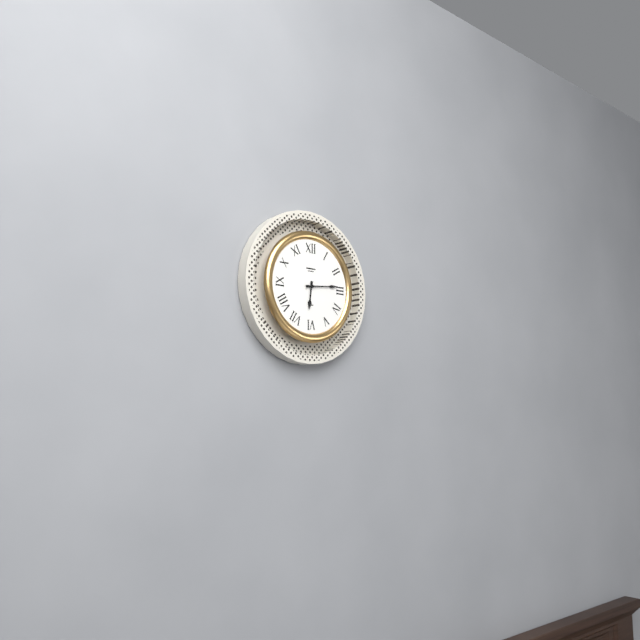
**6:14**
